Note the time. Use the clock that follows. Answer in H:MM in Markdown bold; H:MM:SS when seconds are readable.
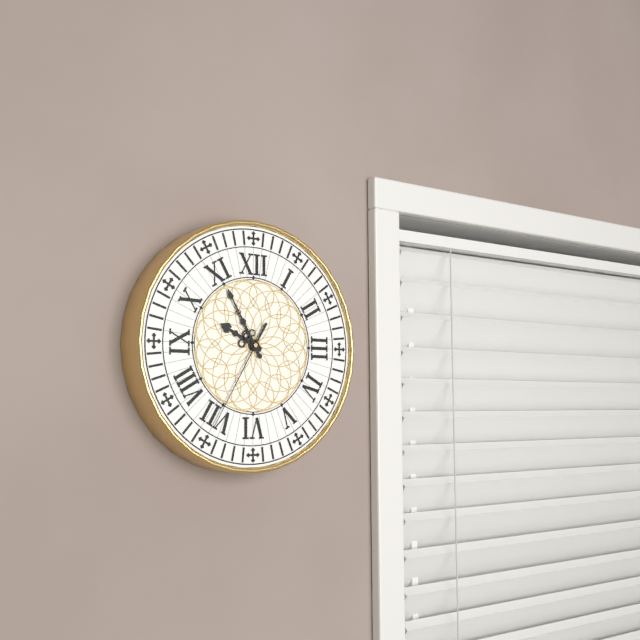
**9:55:35**
